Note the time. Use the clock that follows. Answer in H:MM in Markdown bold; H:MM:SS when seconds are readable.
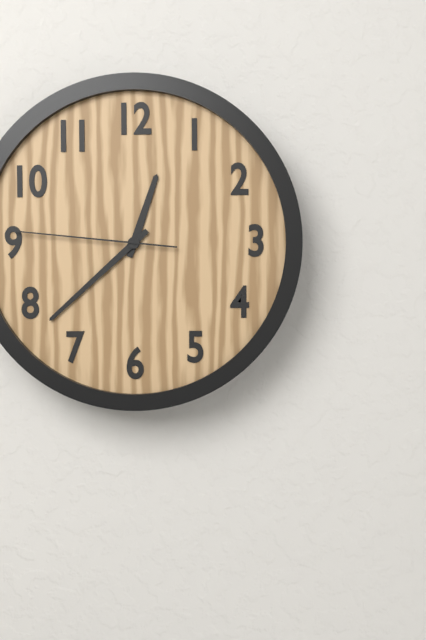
**12:38:46**
